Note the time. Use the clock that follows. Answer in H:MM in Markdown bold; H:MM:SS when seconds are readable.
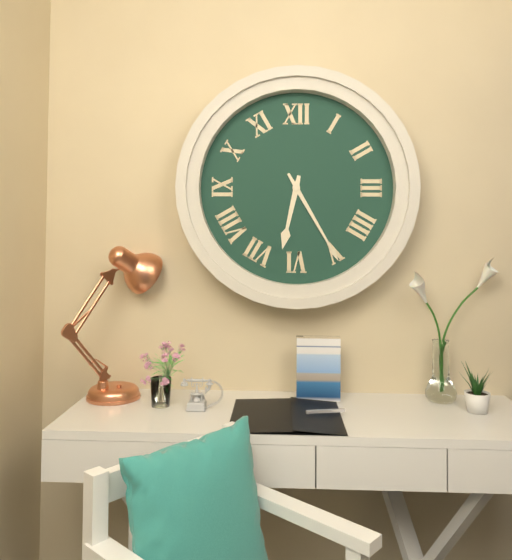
**6:25**
